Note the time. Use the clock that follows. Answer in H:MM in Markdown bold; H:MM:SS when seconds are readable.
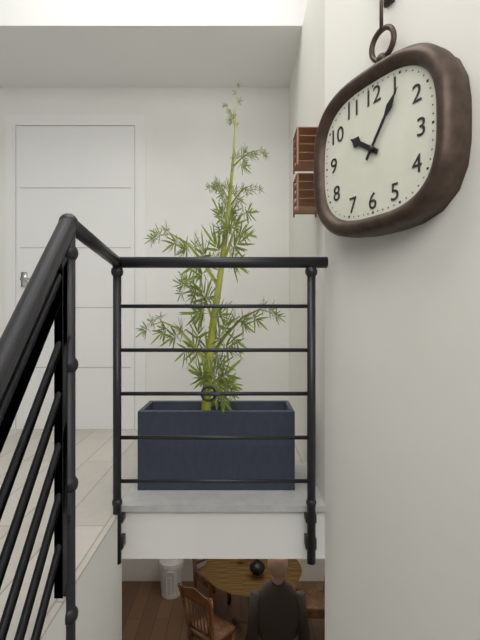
**10:06**
